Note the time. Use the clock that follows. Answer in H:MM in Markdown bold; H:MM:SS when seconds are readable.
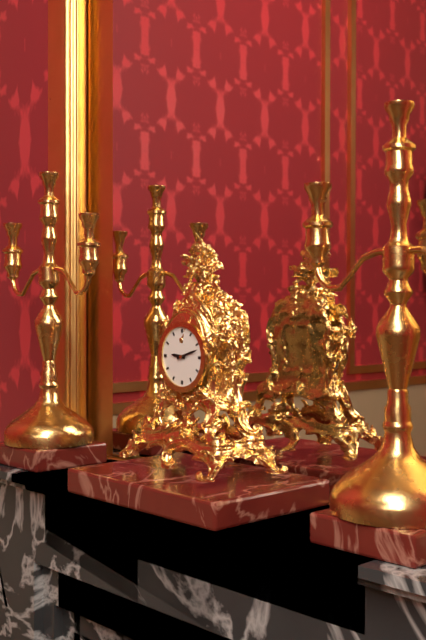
**9:12**
